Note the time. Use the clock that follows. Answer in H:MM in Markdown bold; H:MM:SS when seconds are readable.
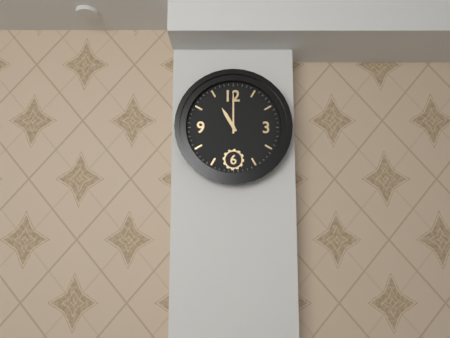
**11:00**
